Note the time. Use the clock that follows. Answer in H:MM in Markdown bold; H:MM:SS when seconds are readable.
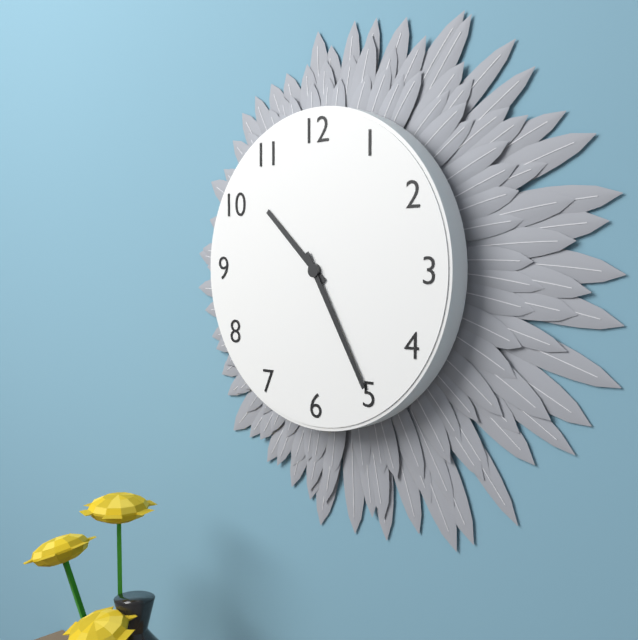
**10:25**
